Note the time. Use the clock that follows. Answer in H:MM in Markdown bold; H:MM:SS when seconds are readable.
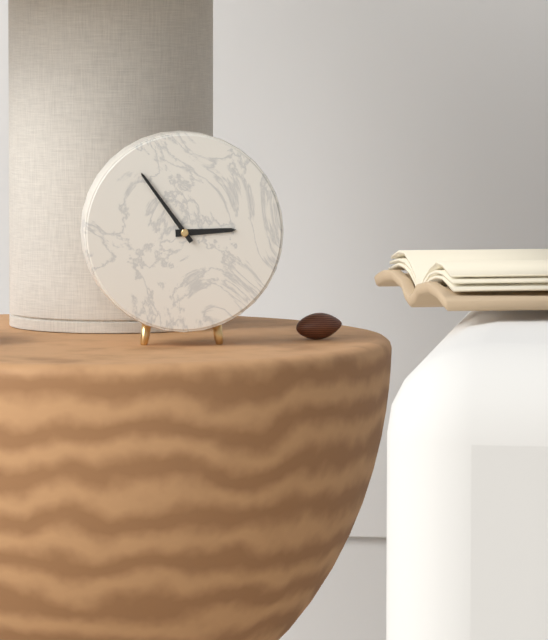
**2:54**
